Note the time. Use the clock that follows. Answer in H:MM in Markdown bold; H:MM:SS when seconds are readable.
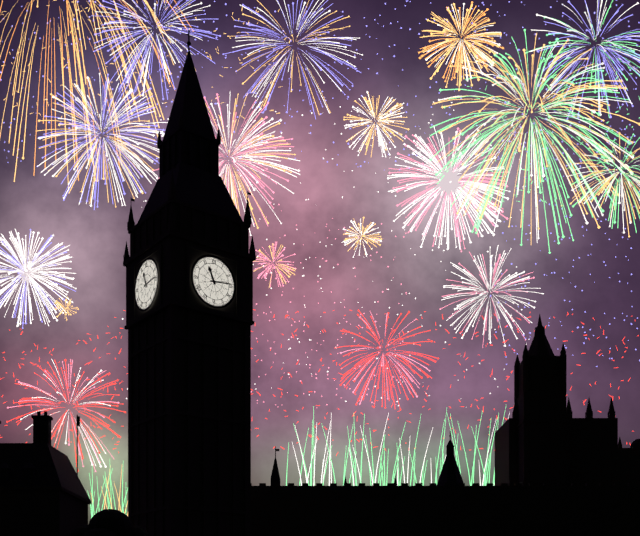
**11:14**
